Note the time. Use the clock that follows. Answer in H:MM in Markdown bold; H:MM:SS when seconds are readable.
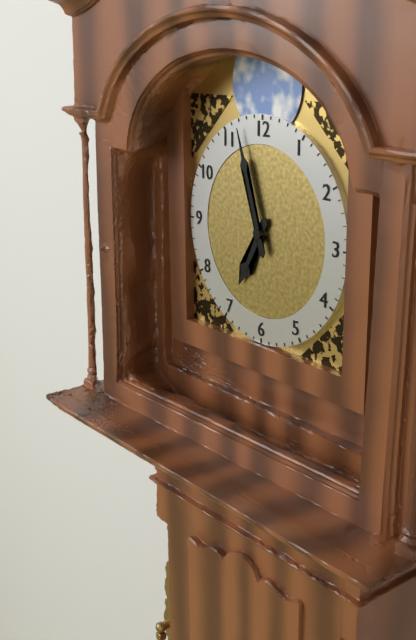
**6:57**
